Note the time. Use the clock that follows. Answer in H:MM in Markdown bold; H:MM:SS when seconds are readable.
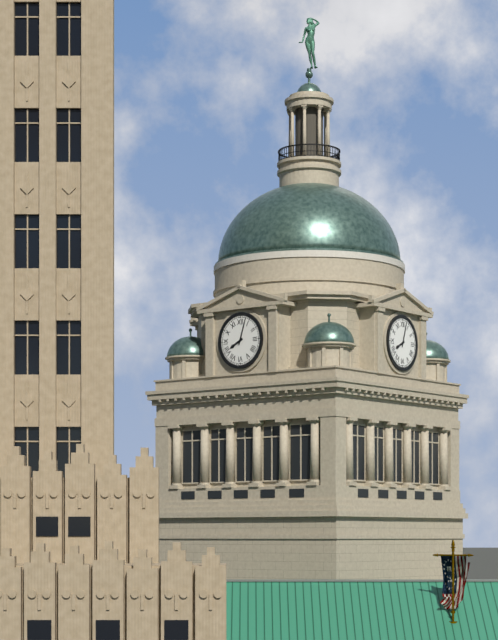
**8:03**
